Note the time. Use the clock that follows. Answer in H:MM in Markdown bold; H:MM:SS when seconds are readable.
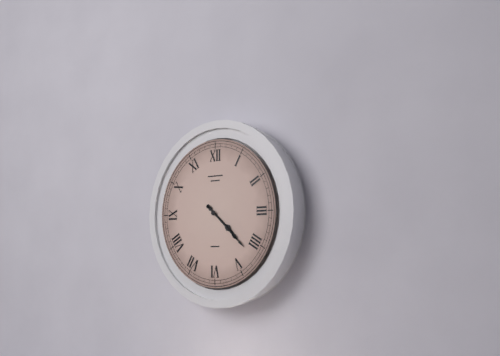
**4:22**
